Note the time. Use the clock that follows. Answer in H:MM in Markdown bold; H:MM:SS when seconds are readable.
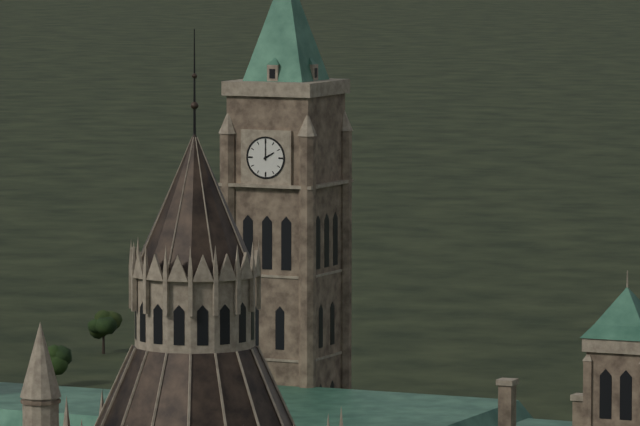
**2:00**
